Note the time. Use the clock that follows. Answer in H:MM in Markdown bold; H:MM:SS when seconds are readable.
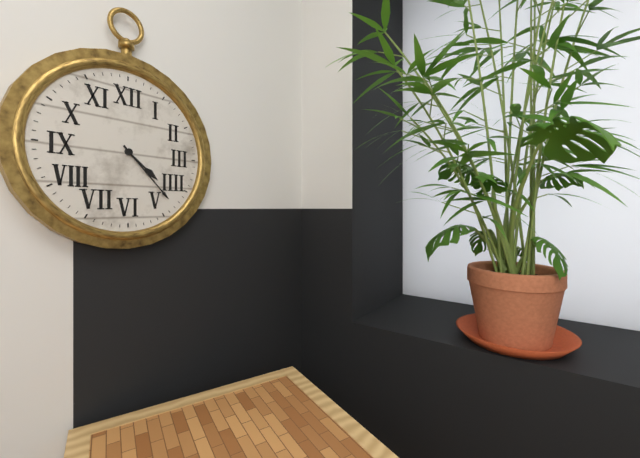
**4:23**
